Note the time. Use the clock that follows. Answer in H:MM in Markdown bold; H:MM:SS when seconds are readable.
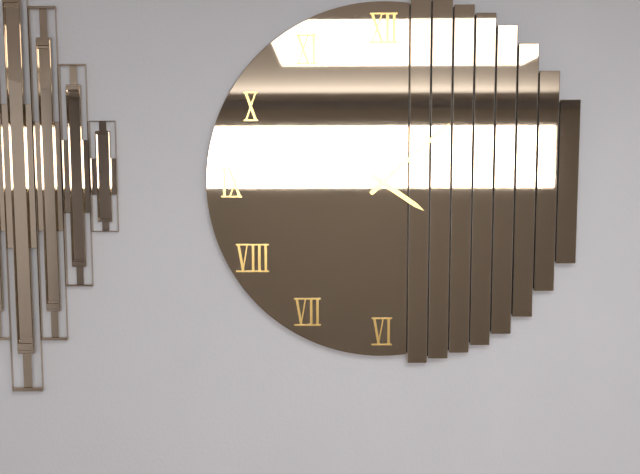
**4:08**
